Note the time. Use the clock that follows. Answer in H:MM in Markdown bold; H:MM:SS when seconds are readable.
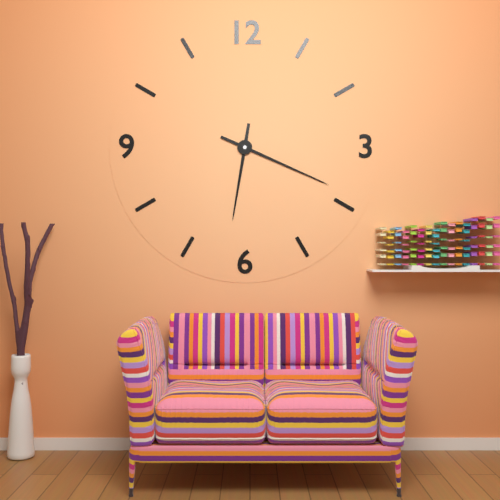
**6:19**
